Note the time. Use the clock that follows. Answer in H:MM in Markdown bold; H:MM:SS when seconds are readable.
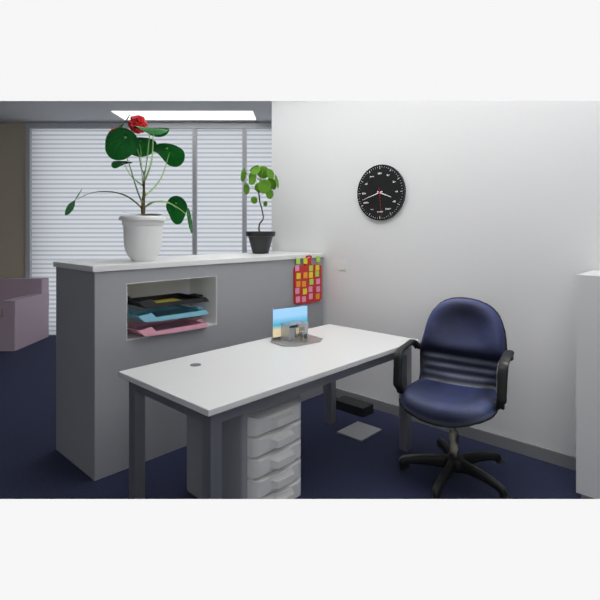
**3:42**
